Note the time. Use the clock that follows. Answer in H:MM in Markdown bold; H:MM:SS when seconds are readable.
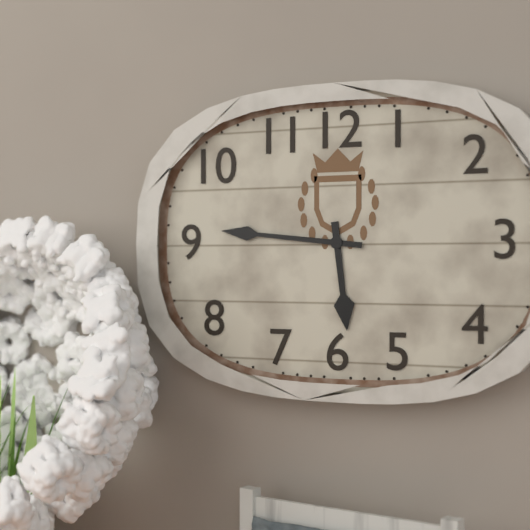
**5:46**
